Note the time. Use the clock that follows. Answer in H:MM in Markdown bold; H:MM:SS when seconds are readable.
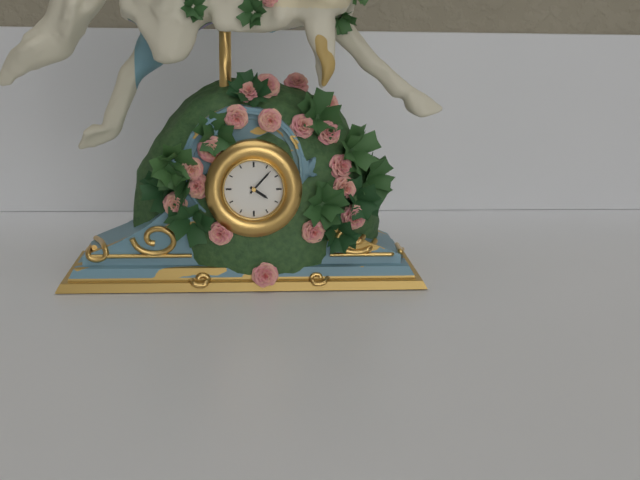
**4:07**
